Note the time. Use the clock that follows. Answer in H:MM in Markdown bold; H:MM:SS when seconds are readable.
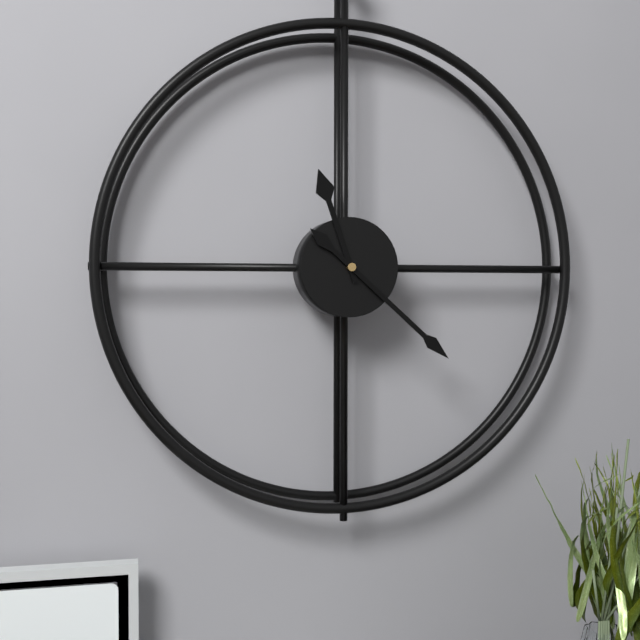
**11:22**
